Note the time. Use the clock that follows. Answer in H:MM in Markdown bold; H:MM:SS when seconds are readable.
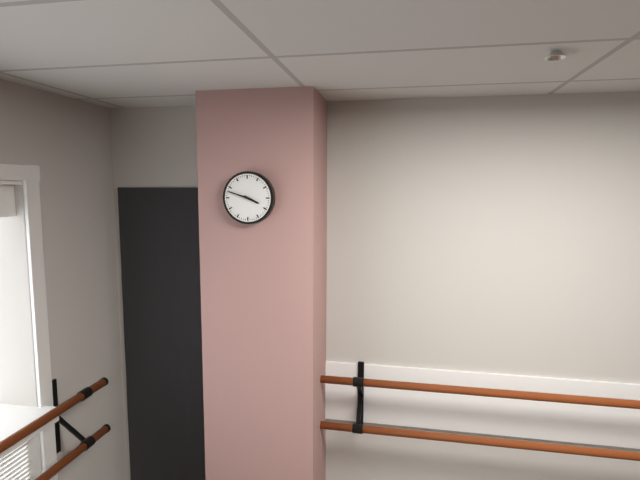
**3:48**
